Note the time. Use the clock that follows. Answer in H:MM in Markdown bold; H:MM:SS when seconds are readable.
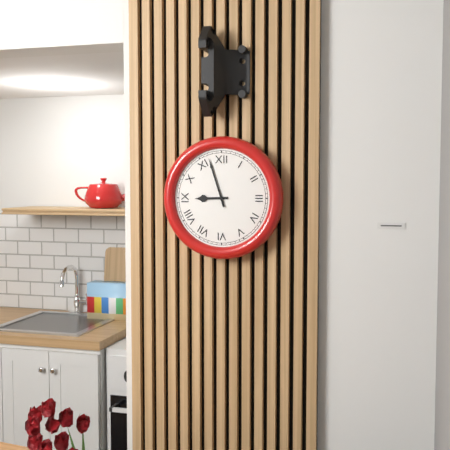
**8:57**
